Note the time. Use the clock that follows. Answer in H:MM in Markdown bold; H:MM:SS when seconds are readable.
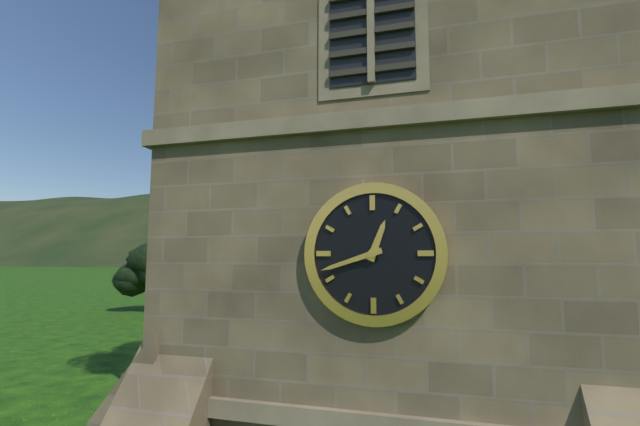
**12:42**
